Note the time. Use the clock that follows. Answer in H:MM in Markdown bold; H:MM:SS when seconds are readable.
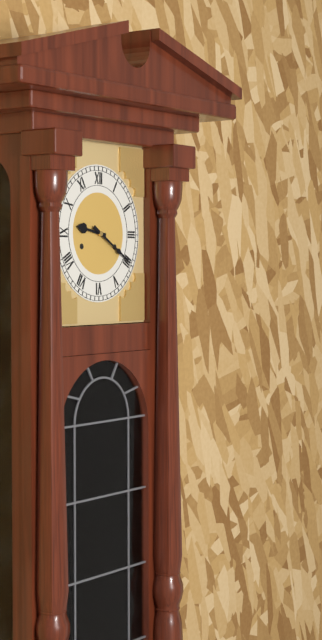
**9:20**
